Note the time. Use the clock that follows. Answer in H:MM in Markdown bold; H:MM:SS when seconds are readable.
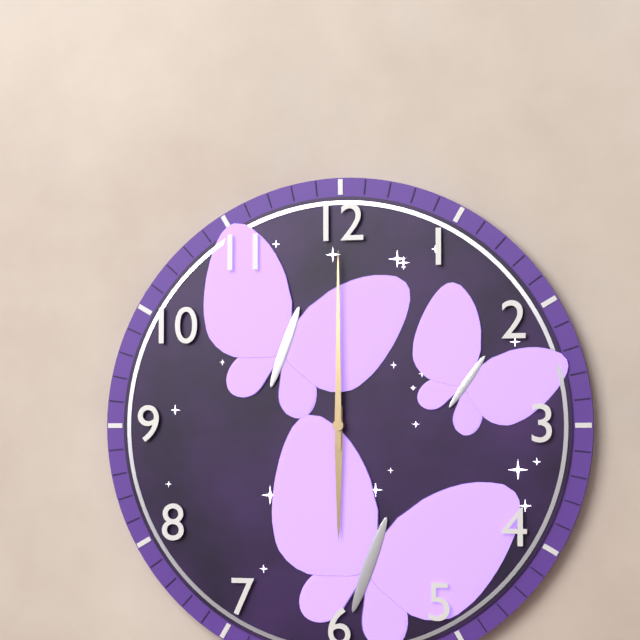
**6:00**
